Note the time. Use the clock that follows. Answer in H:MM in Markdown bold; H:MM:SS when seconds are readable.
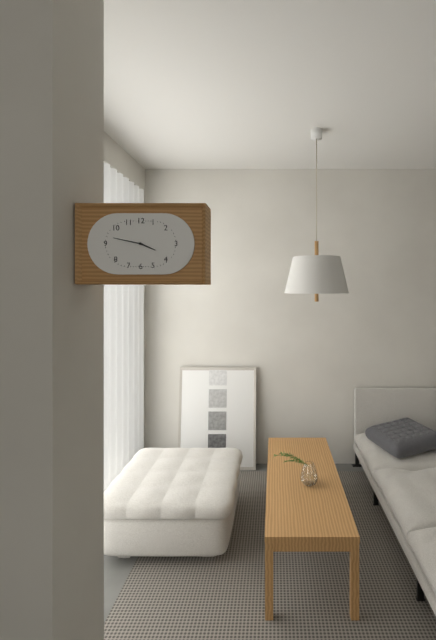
**3:47**
